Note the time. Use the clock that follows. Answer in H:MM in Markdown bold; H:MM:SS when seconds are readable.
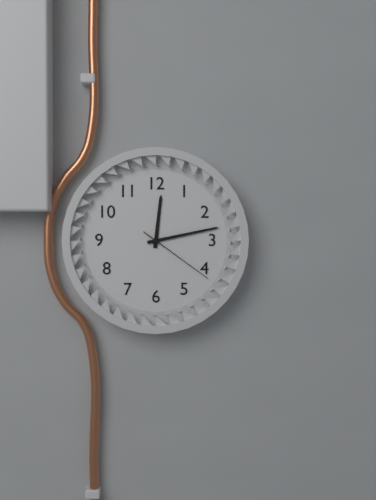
**12:13:21**
